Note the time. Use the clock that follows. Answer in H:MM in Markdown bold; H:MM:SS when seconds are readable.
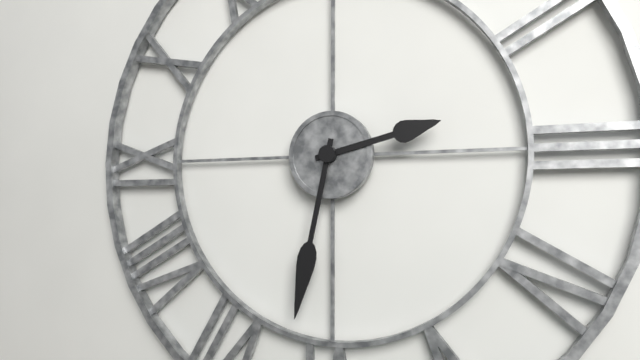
**2:32**
